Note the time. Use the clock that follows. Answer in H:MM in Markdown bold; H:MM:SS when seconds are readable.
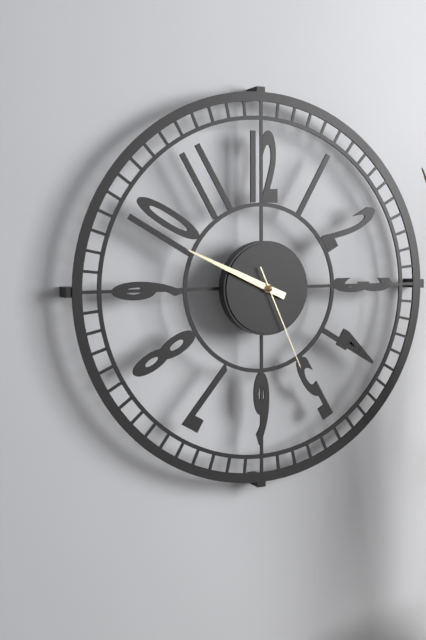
**9:49:26**
